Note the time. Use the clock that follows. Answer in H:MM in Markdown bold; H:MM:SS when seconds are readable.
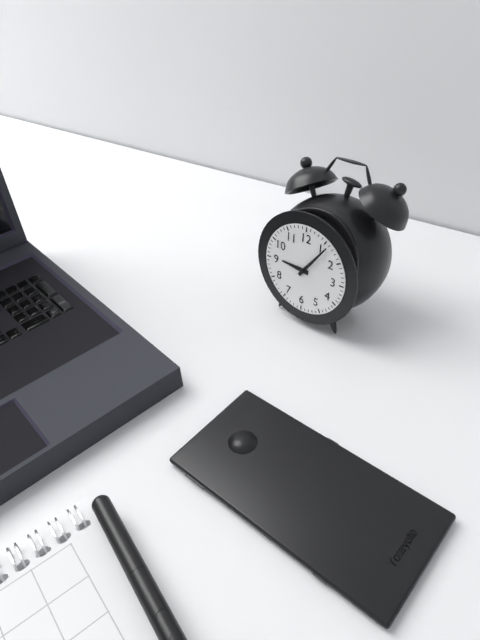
**9:06**
